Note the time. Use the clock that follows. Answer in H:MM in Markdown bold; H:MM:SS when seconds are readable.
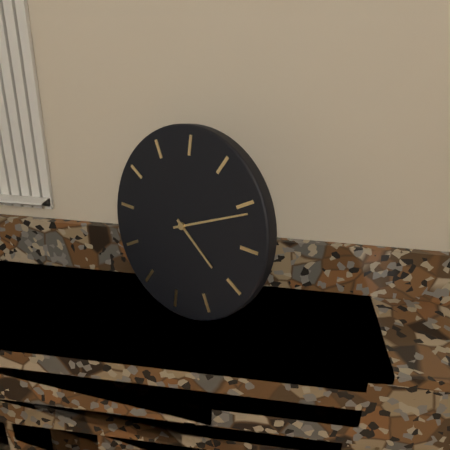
**4:11**
